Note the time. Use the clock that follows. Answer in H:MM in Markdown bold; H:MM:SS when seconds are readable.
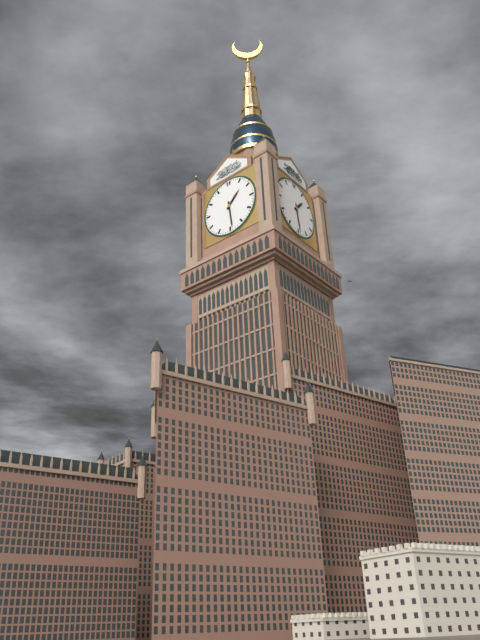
**1:29**
